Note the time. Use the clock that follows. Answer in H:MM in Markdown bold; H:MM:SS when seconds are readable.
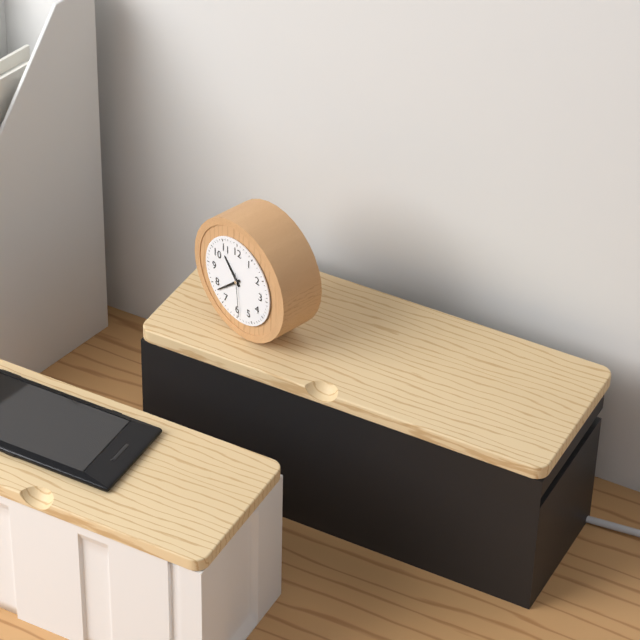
**10:38**
